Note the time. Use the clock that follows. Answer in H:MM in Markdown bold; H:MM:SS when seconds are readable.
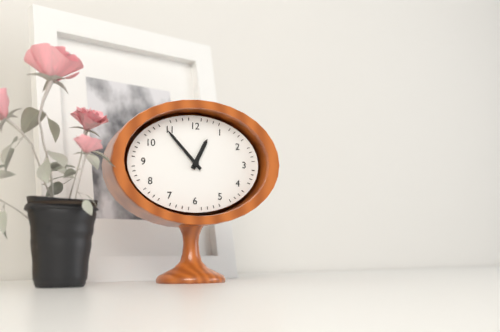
**12:53**
